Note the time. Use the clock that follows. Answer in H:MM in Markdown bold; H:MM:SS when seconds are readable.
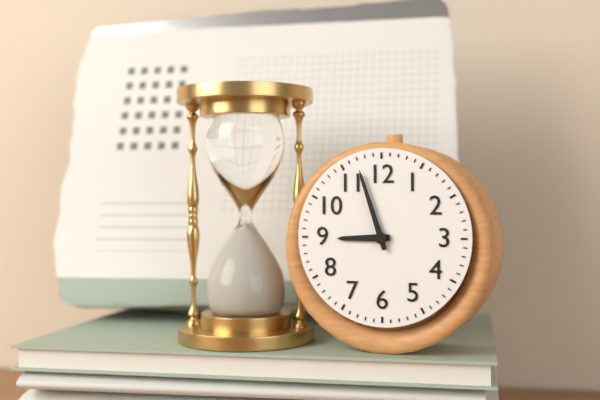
**8:57**
